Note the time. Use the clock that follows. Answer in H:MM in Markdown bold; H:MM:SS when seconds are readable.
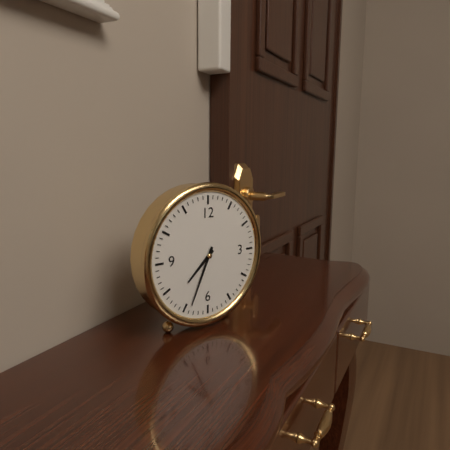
**7:34**
